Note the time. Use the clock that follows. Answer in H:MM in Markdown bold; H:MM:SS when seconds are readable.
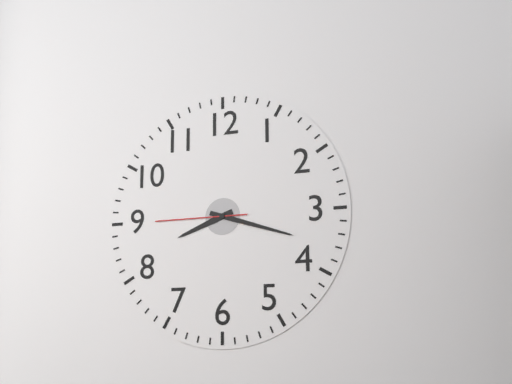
**8:18:45**
